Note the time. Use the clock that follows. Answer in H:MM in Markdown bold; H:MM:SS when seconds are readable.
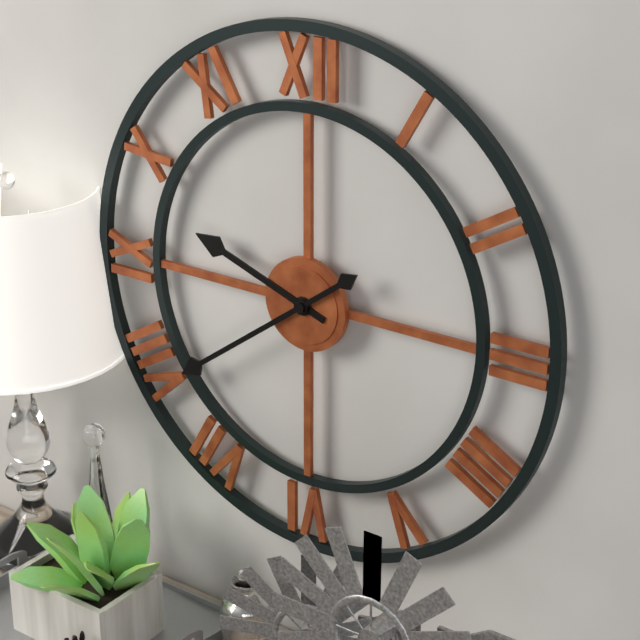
**9:39**
